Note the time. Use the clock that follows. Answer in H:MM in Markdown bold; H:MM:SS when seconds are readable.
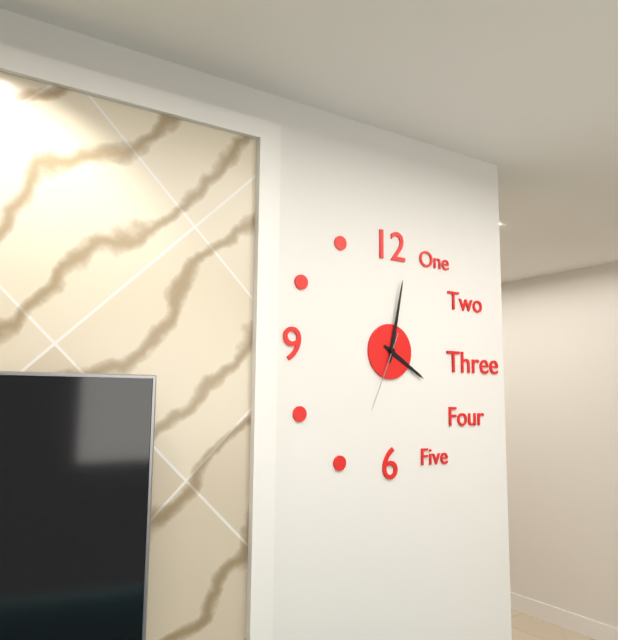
**4:02:34**
